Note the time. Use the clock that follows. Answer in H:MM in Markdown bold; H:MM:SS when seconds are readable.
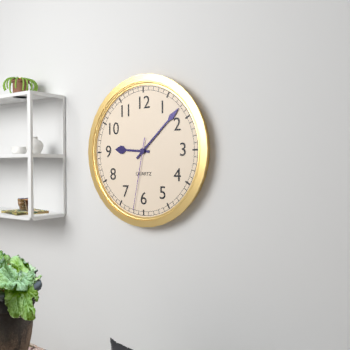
**9:08:32**
